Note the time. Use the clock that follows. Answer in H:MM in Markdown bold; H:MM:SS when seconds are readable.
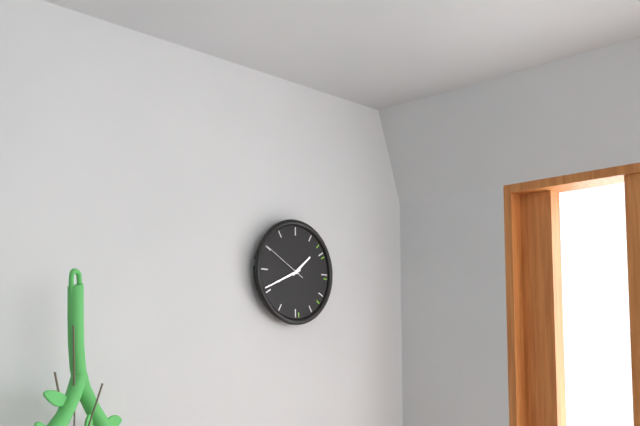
**1:41**
